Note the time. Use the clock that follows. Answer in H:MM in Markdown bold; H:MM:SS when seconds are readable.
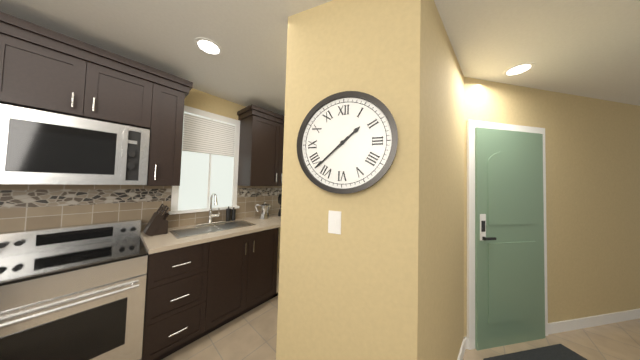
**1:38**
